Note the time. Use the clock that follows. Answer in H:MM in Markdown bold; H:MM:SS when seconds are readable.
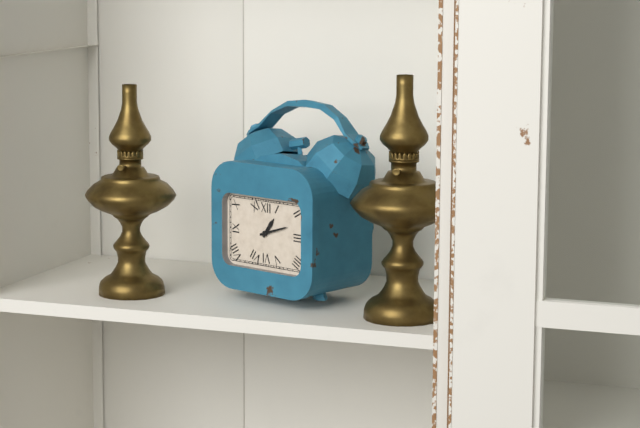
**1:12**
